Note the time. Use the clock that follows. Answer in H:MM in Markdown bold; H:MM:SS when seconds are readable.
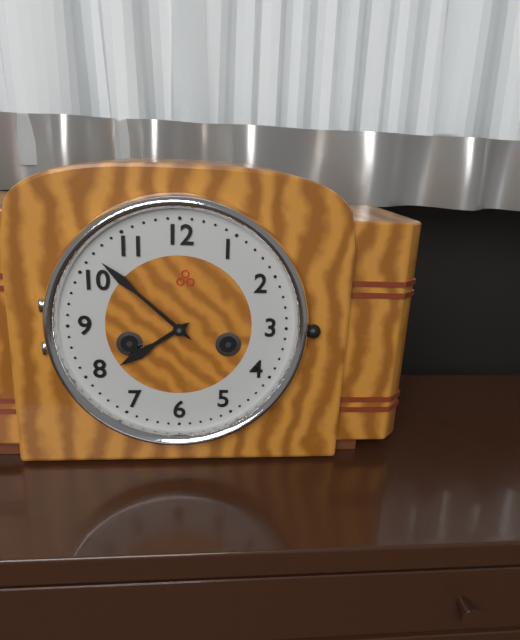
**7:52**
